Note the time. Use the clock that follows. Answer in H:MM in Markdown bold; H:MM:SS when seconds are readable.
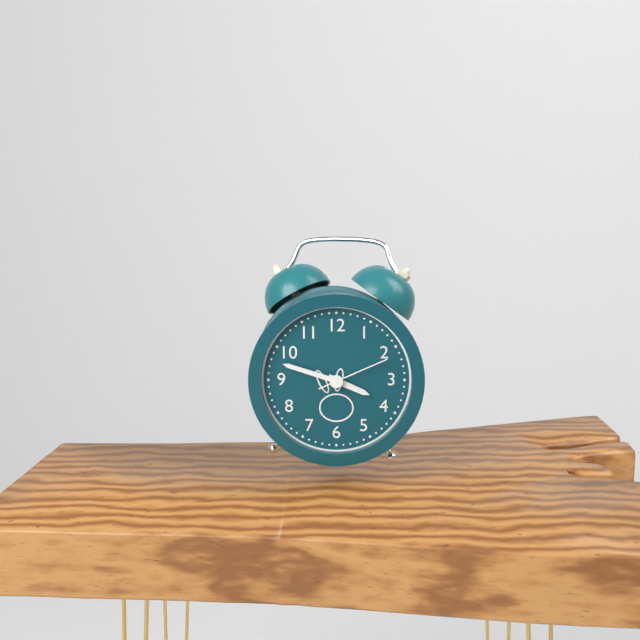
**3:48:11**
